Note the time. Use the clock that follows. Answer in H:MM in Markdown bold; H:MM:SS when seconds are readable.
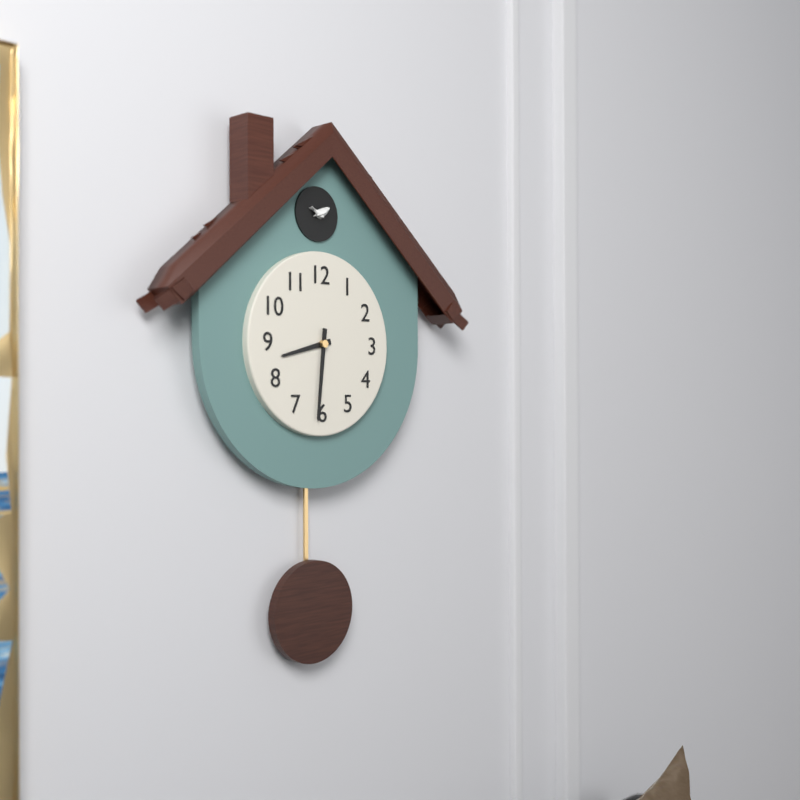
**8:31**
